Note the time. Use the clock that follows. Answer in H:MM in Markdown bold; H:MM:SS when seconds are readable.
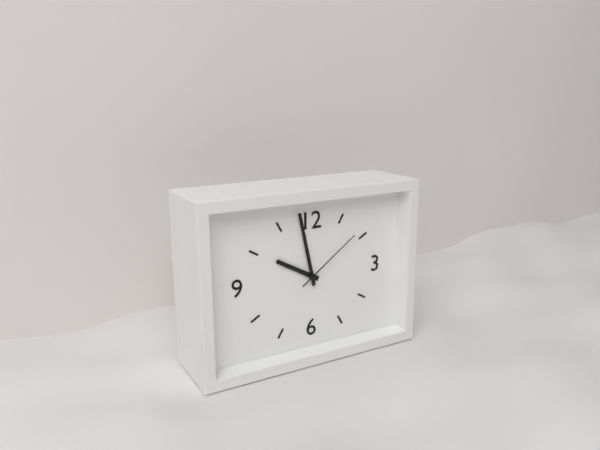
**9:58:09**
